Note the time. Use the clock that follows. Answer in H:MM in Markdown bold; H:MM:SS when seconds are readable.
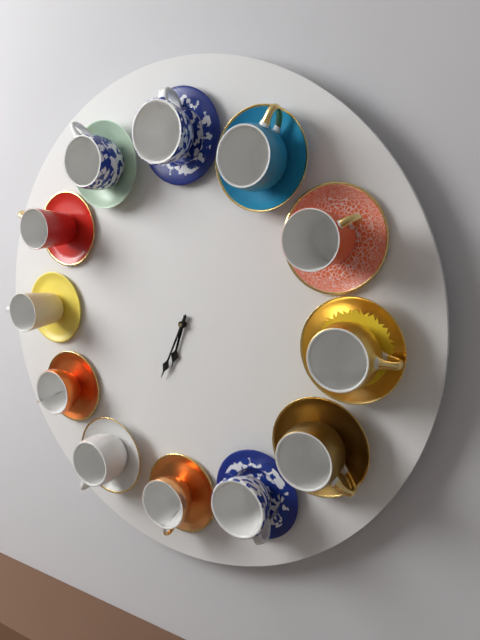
**6:34**
